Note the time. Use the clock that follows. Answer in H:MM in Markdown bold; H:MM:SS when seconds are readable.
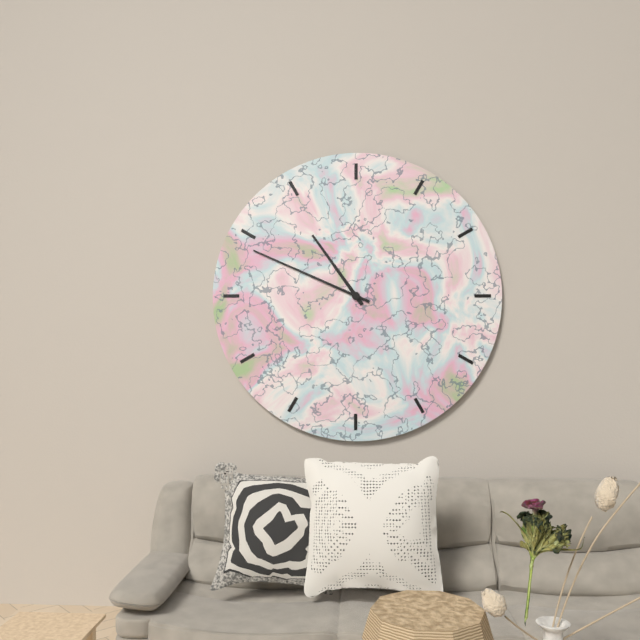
**10:49**
